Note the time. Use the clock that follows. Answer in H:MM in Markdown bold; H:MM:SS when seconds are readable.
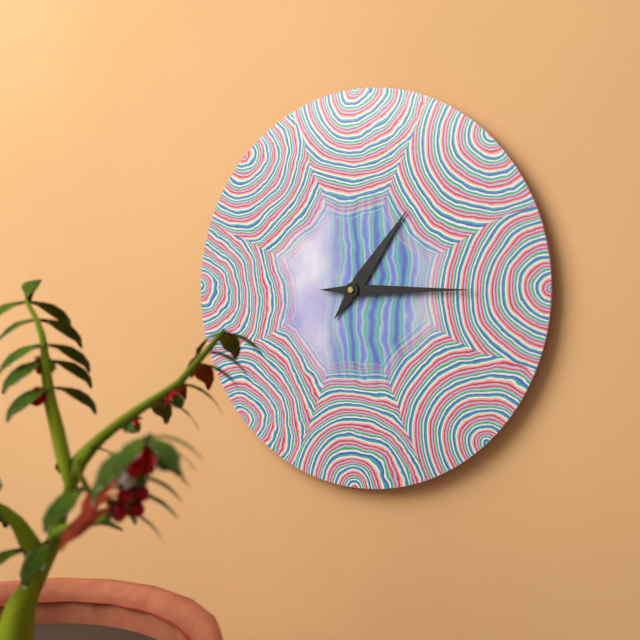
**1:15**
